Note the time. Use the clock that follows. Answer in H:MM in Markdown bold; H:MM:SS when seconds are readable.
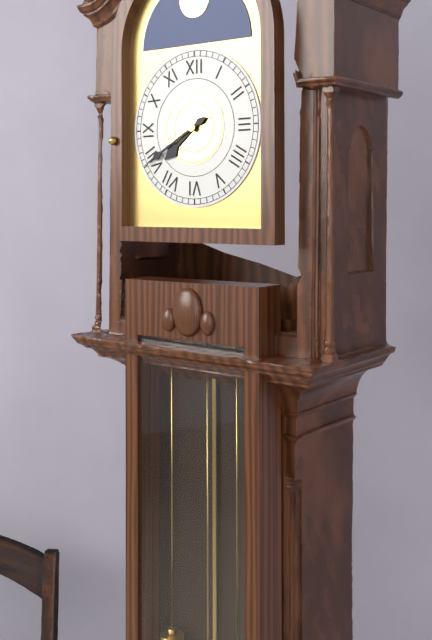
**7:40**
